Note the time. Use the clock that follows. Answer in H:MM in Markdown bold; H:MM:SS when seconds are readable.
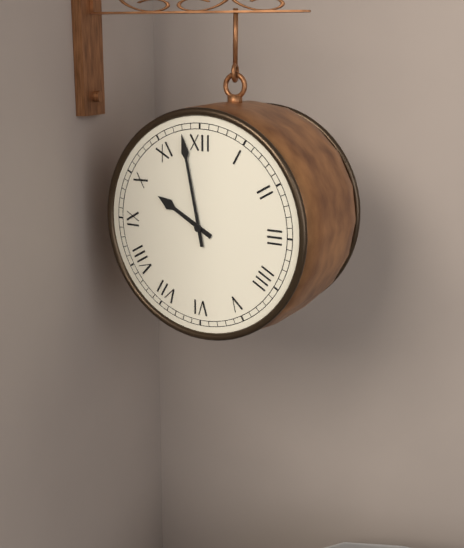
**9:58**
